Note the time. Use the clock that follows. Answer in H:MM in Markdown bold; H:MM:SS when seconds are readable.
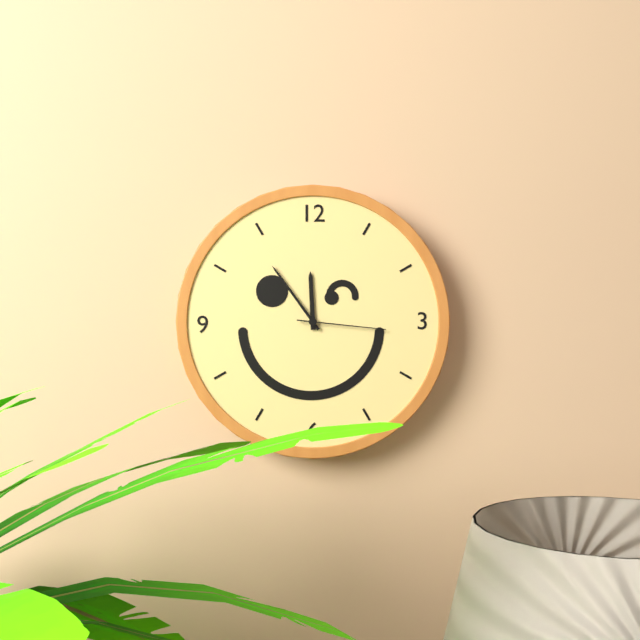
**11:54:16**
